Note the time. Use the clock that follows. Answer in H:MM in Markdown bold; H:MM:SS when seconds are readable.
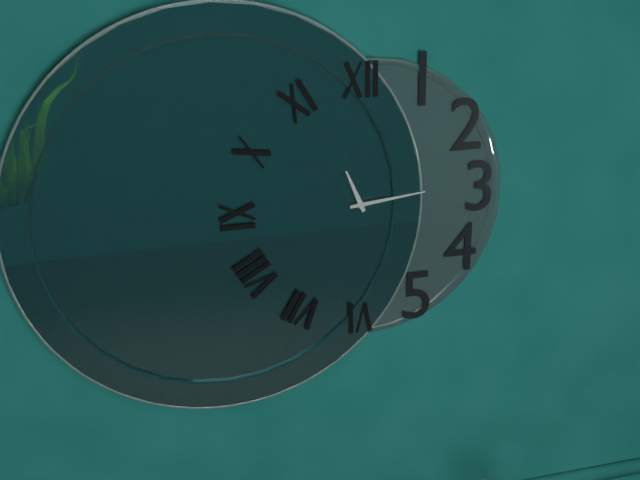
**11:14**
